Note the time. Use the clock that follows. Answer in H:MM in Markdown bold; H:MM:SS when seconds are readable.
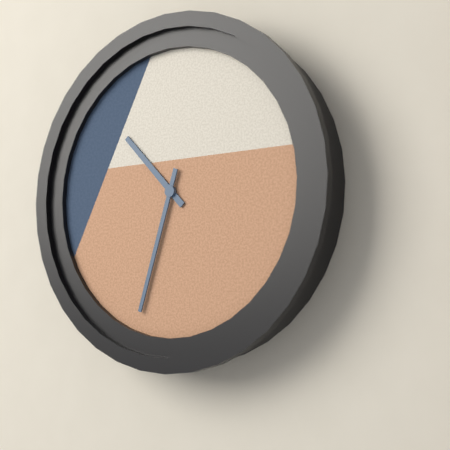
**10:33**
